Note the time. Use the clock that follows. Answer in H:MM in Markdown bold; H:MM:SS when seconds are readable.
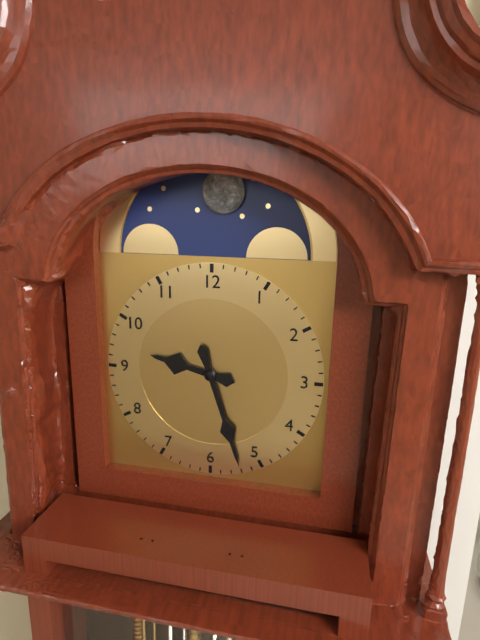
**9:27**
